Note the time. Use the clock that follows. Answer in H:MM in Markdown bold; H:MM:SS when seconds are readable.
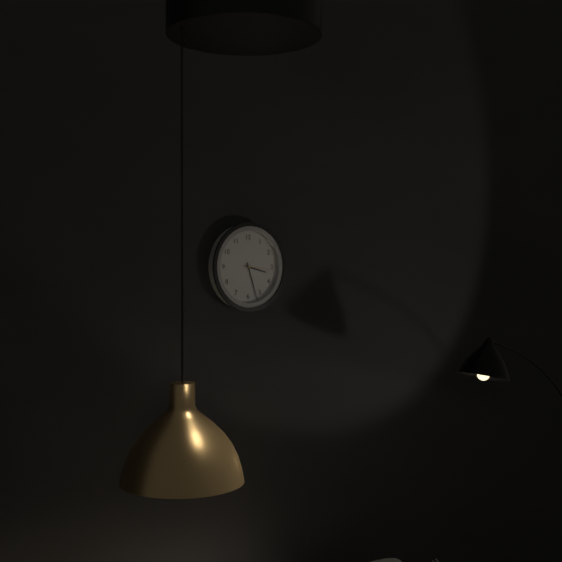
**3:27**
